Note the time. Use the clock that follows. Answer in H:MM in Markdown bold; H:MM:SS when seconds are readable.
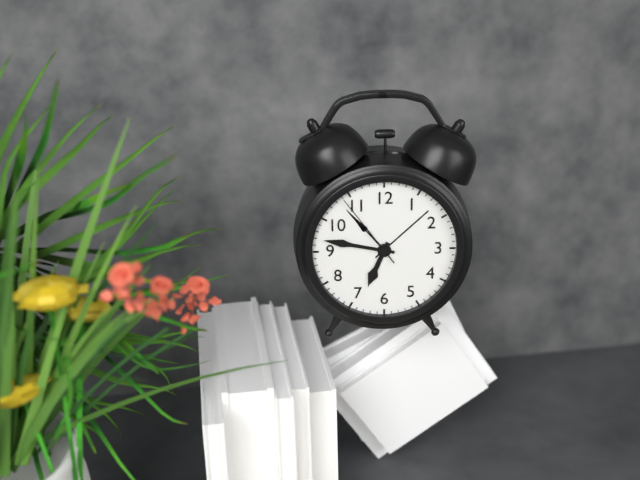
**6:47:54**
